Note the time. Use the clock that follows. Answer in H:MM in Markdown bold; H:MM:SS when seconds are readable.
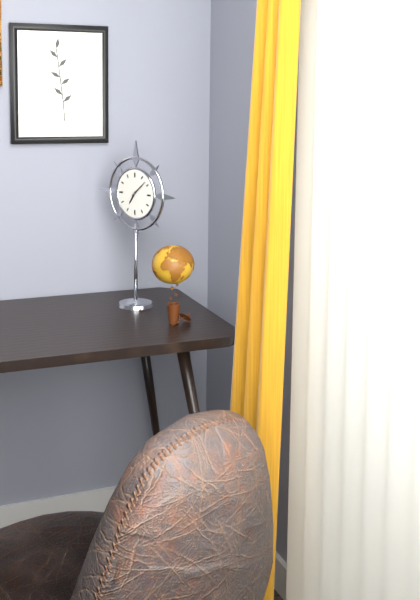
**7:08**
